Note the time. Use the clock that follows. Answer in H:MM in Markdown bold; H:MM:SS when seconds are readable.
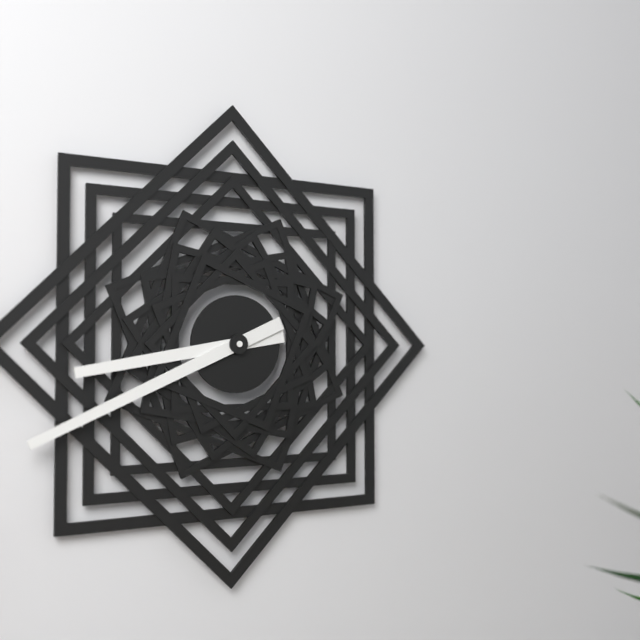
**8:41**
